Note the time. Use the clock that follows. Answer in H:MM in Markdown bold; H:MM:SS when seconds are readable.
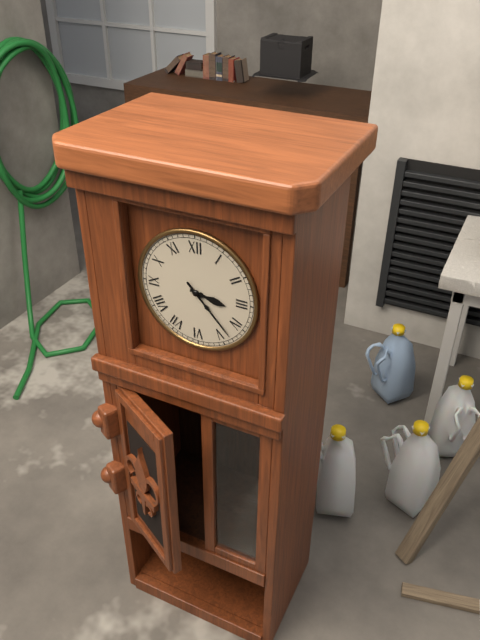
**3:23**
